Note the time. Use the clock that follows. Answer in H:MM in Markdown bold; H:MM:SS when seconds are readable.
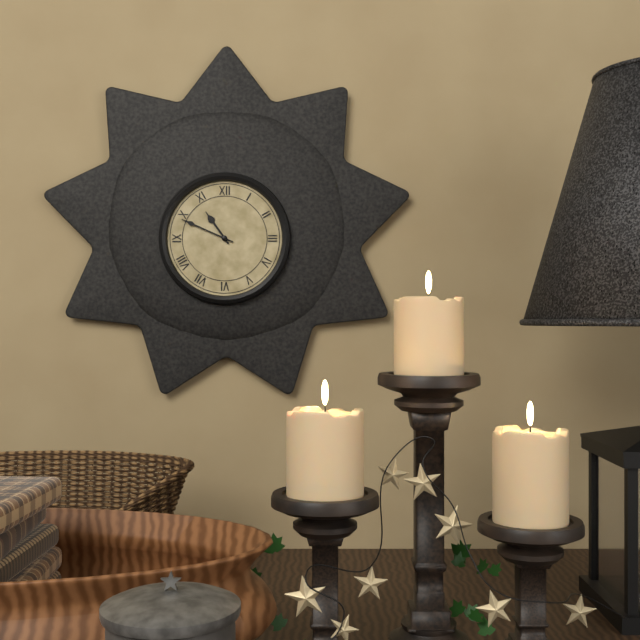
**10:49**
